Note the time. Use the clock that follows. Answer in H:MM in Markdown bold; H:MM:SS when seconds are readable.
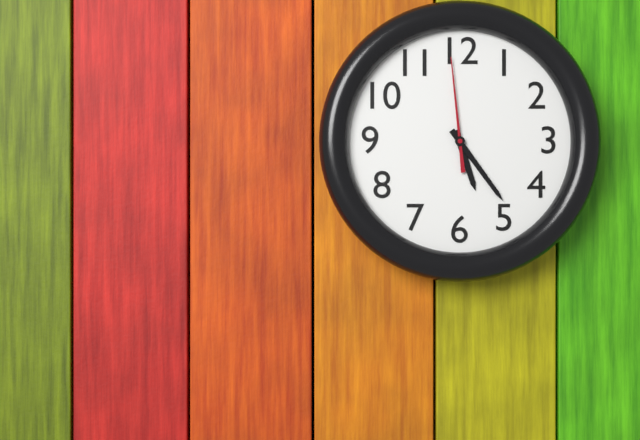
**5:24:59**
